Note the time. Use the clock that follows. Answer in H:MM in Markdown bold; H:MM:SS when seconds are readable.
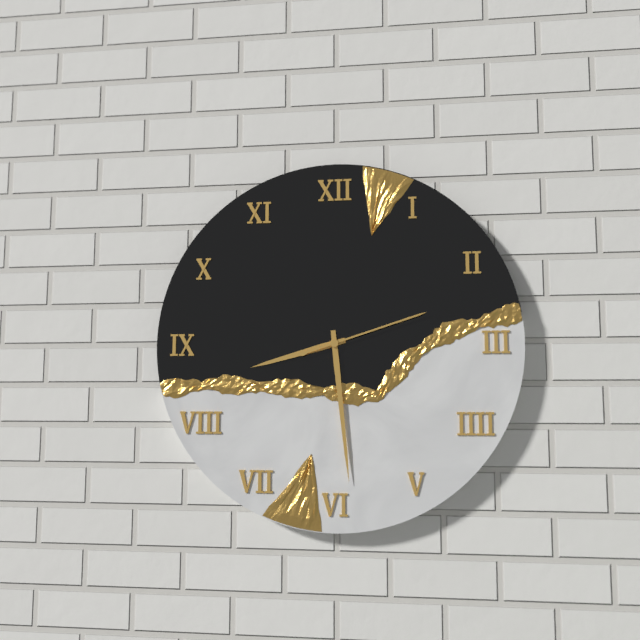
**8:29:12**
